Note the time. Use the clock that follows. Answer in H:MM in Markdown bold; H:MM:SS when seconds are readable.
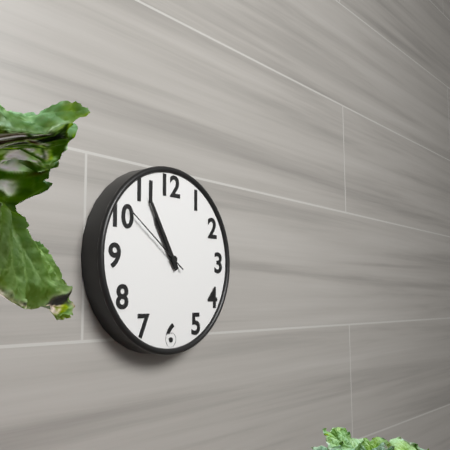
**10:55:51**
